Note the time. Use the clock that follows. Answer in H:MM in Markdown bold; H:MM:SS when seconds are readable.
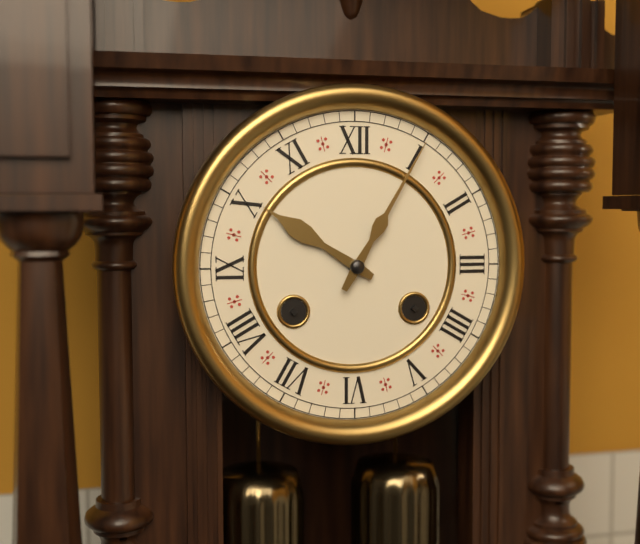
**10:05**
